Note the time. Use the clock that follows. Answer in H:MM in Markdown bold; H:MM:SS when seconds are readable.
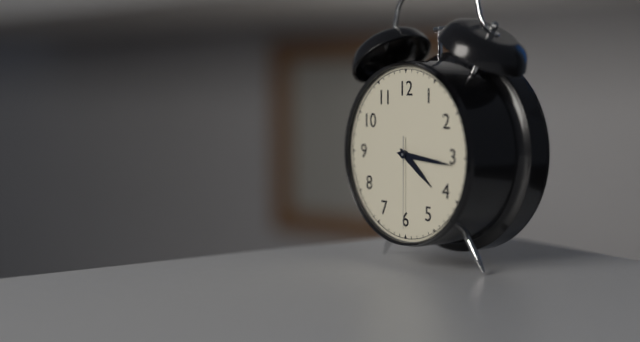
**4:16:30**
